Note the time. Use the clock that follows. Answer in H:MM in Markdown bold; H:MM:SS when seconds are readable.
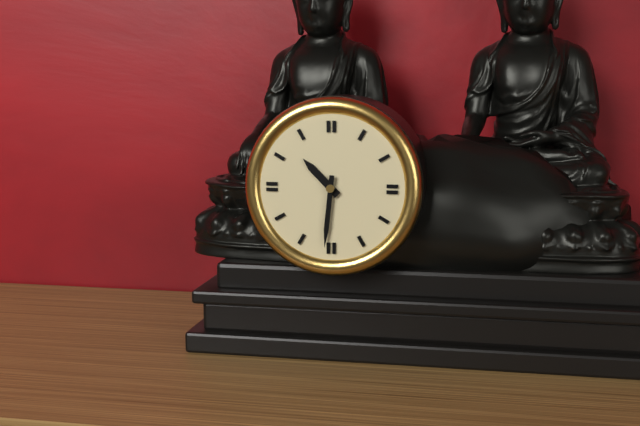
**10:31**
